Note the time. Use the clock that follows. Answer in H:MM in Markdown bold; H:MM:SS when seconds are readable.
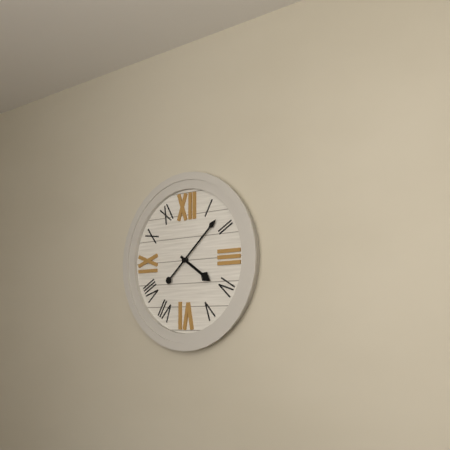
**4:08**
